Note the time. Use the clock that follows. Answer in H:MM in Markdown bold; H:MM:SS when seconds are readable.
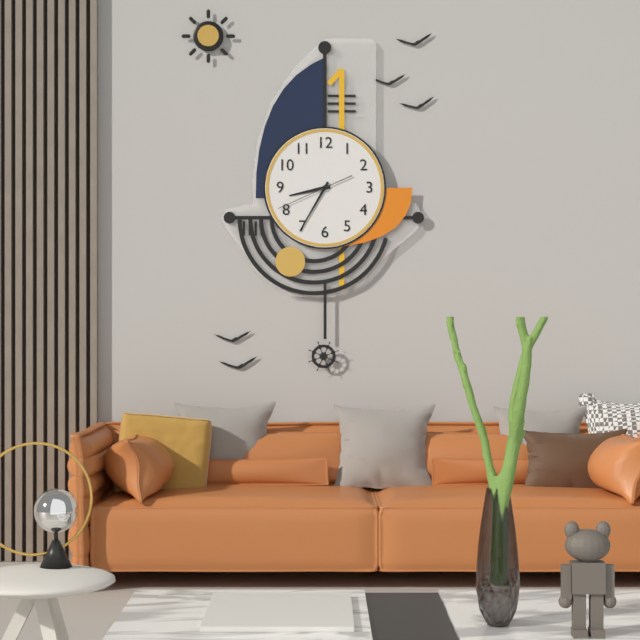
**8:35:41**
